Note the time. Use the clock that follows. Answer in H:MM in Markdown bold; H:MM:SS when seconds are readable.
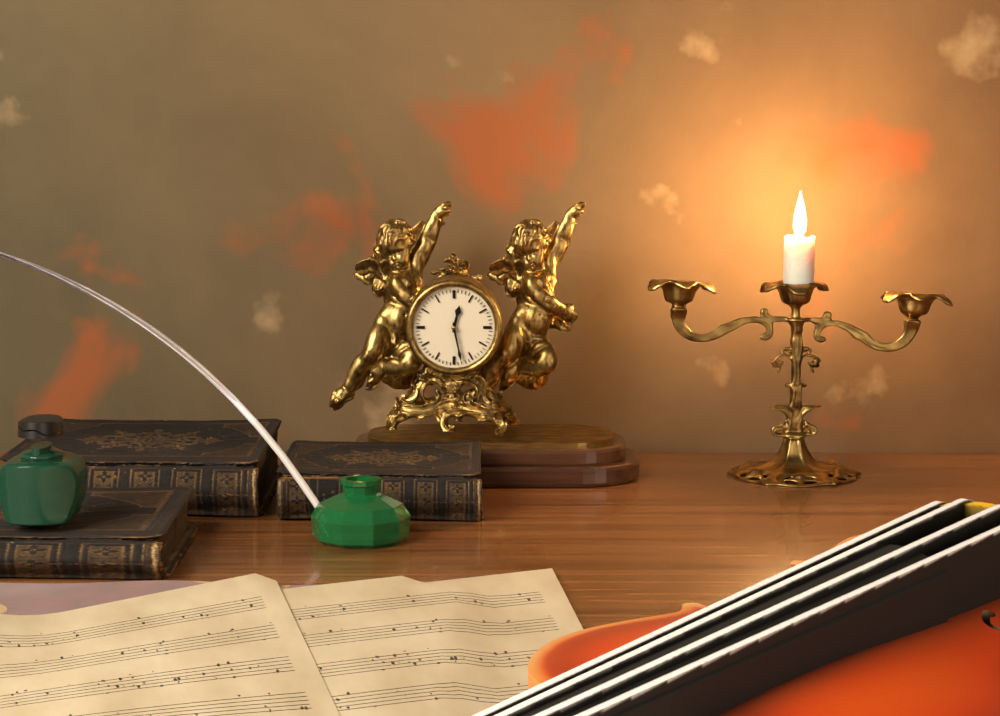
**12:28**
